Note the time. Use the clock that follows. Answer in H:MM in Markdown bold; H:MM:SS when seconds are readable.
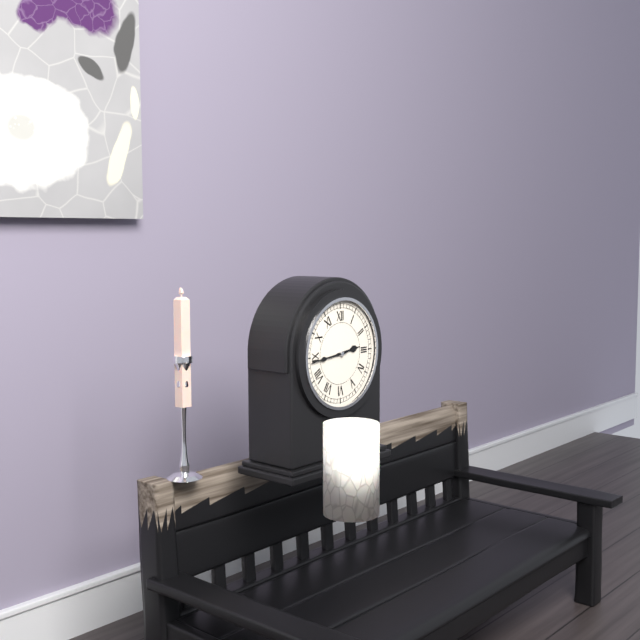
**2:44**
